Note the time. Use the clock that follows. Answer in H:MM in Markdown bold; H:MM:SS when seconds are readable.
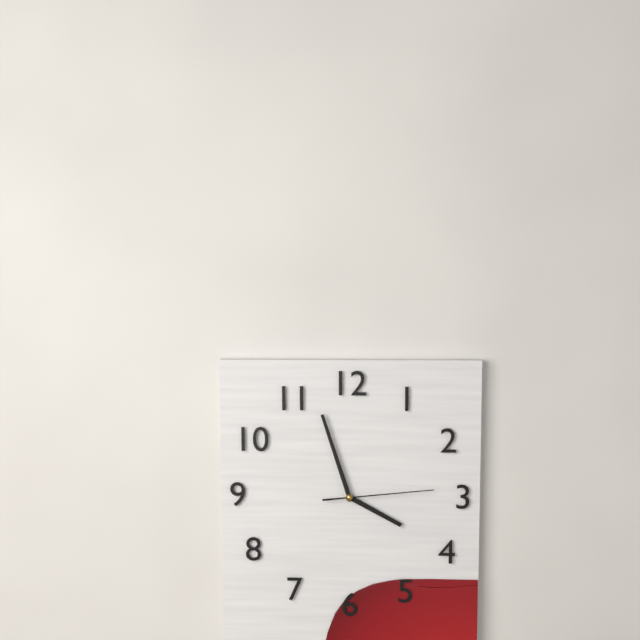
**3:57:14**
